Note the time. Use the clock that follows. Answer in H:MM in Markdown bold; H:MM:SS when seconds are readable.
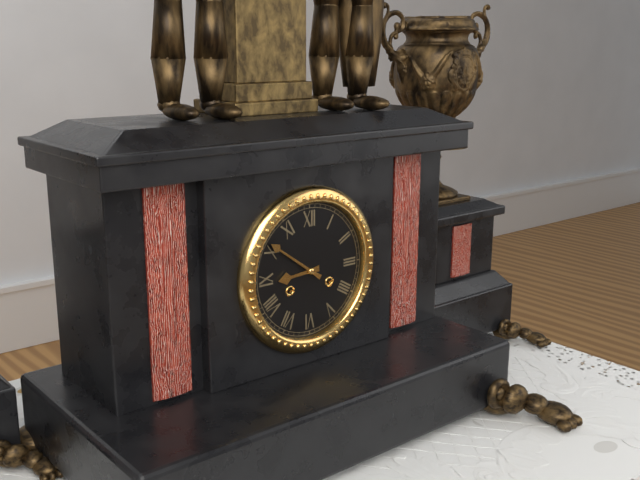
**8:51**
